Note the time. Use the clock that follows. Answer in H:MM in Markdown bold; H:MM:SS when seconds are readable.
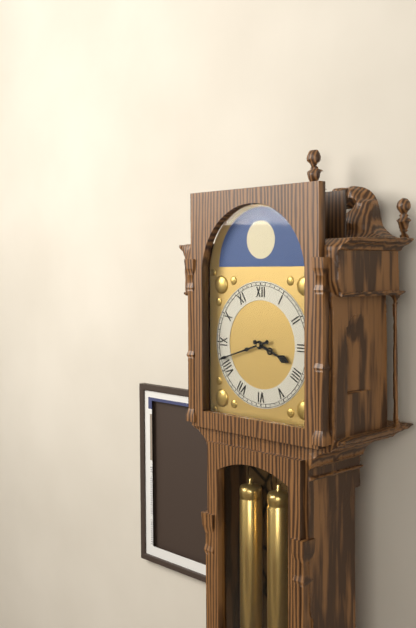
**3:42**
